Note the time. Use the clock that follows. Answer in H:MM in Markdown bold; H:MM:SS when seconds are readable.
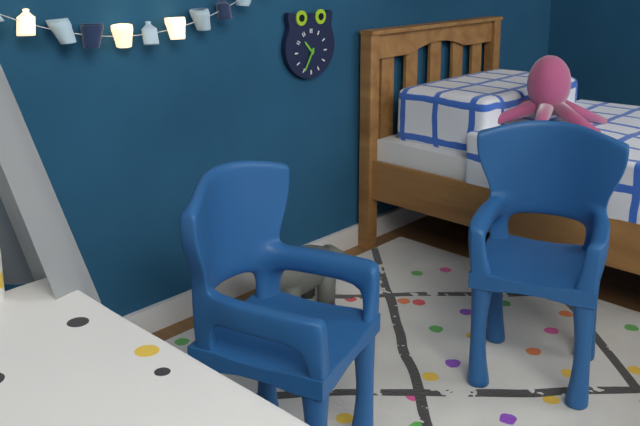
**10:35**
